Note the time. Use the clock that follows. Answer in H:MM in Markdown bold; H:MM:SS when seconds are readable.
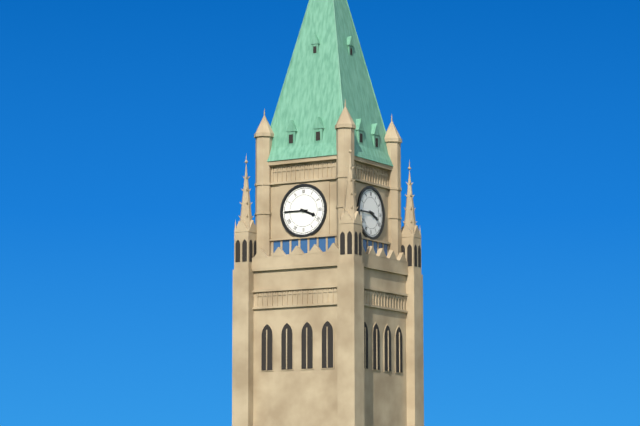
**3:45**
